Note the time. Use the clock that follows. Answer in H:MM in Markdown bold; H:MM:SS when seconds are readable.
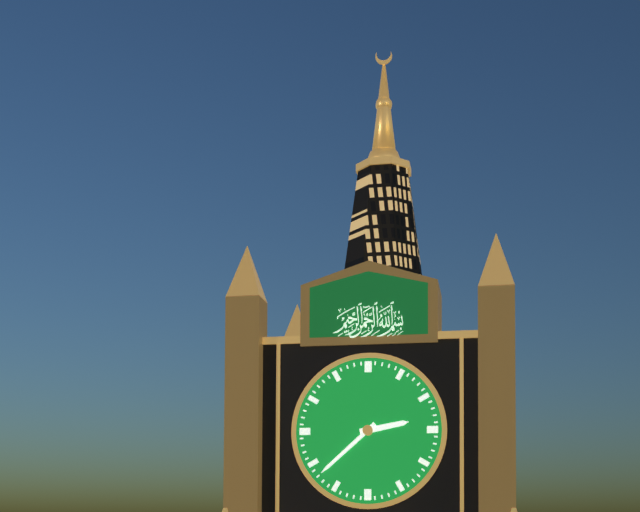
**2:38**
